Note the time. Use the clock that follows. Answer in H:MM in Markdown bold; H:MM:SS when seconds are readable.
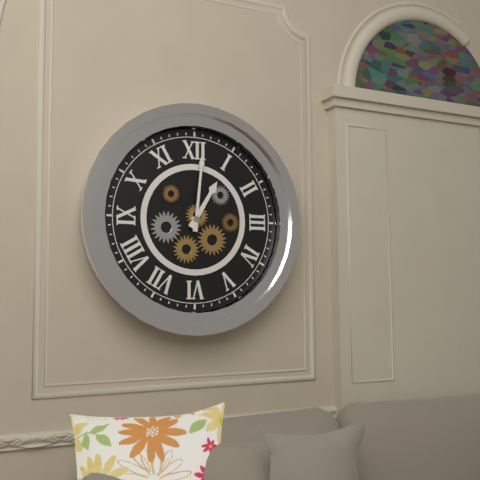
**1:01**
